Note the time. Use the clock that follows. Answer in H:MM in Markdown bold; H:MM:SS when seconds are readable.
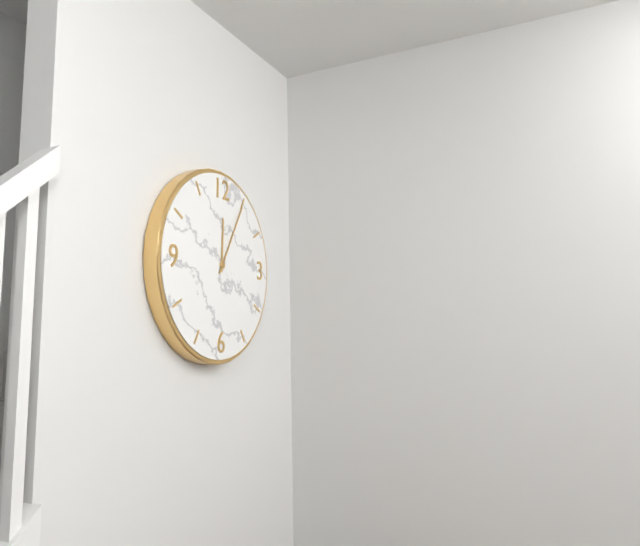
**12:05**
